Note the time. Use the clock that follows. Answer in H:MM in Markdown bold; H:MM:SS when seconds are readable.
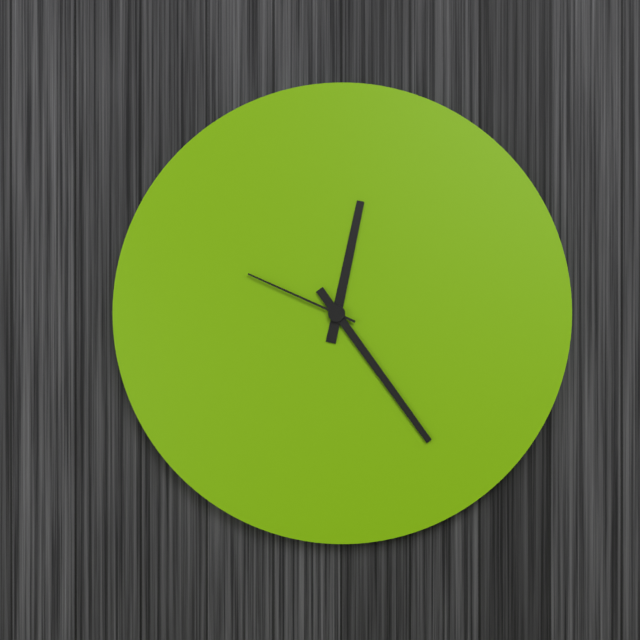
**12:24:49**
